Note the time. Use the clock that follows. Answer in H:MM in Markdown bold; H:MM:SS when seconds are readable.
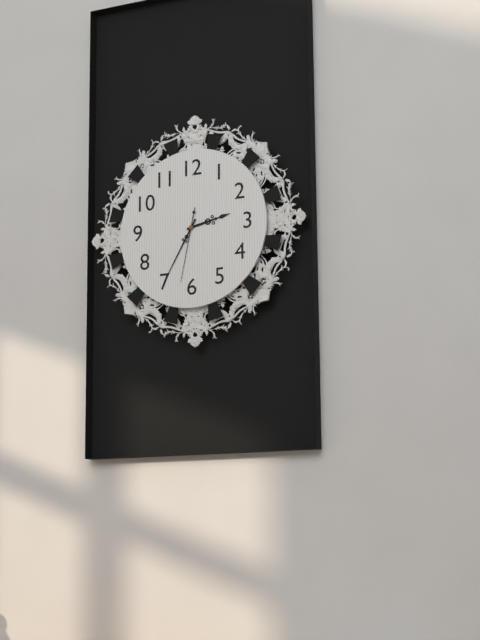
**2:35:32**
